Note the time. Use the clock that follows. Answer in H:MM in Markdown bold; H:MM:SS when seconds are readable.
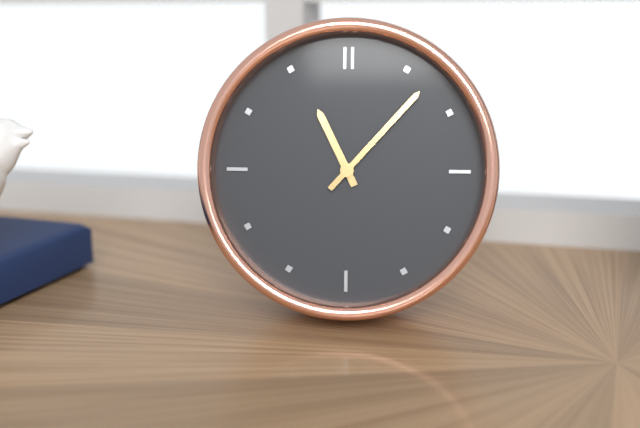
**11:07**
